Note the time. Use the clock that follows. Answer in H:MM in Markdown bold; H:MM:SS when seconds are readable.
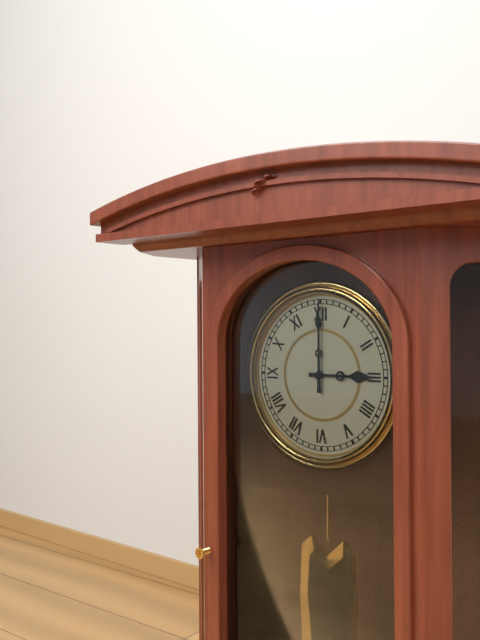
**3:00**
